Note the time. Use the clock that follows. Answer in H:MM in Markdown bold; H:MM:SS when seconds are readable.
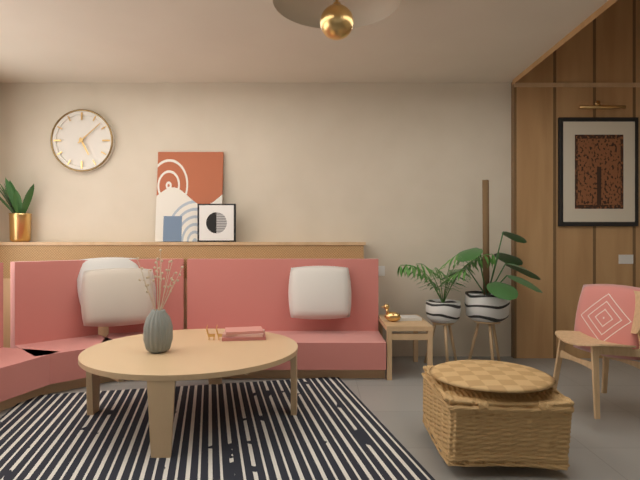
**5:08**
